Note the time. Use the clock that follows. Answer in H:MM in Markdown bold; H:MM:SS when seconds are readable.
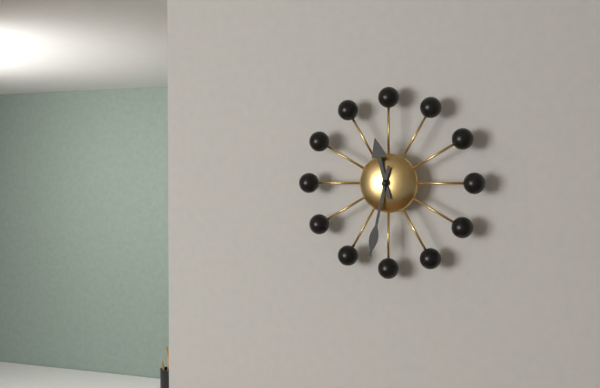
**11:32**
